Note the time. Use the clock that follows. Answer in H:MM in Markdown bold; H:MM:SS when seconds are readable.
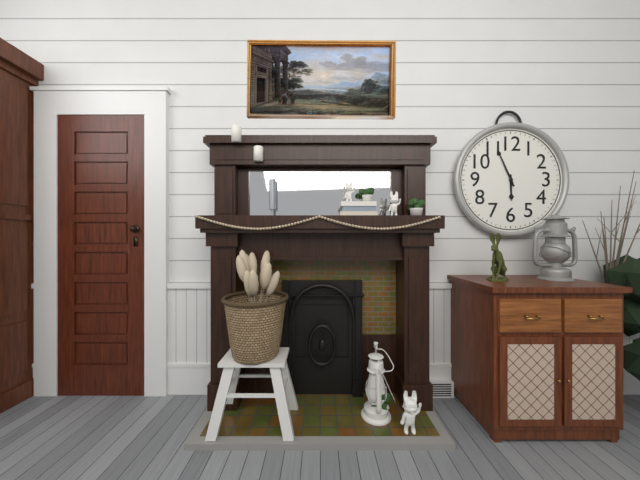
**5:56**
